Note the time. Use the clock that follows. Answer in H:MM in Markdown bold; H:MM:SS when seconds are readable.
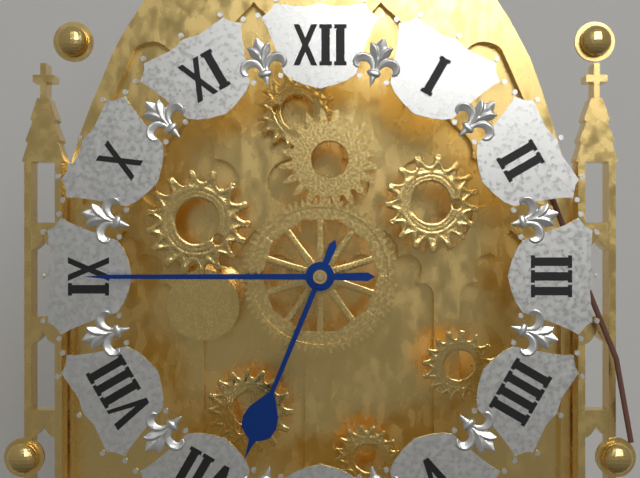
**6:45**
